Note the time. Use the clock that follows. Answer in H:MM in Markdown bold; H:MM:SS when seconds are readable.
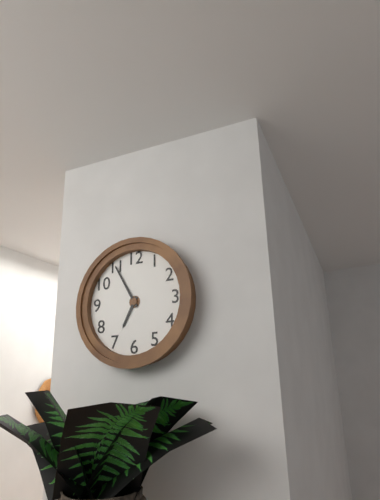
**6:55**
